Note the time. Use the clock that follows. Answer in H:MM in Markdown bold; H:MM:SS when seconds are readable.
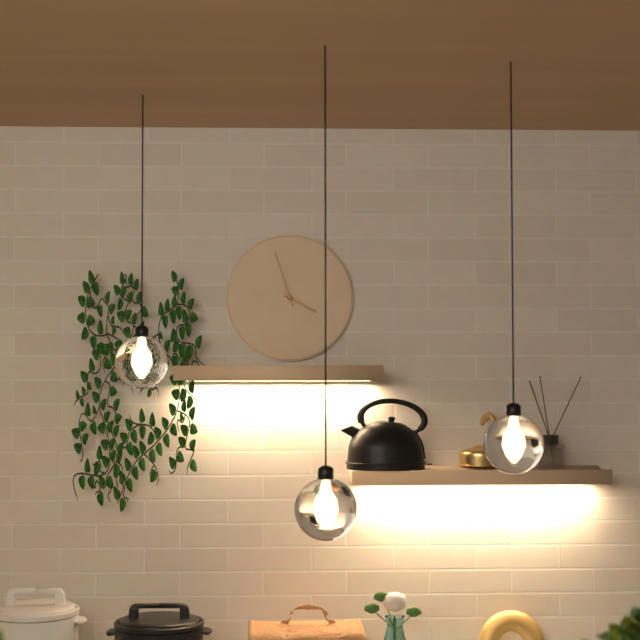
**3:57**
